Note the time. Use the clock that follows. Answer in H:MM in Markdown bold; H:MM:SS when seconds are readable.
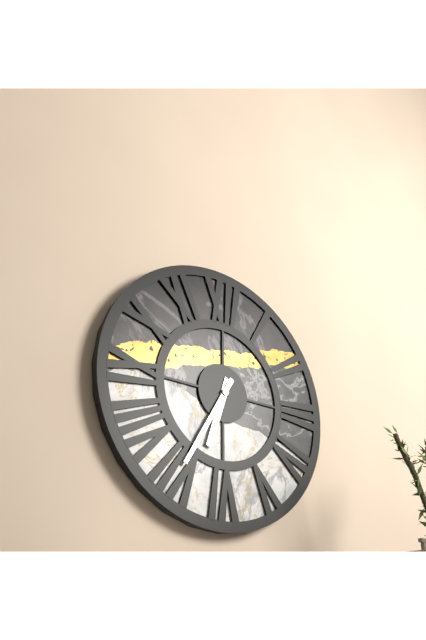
**6:35**
